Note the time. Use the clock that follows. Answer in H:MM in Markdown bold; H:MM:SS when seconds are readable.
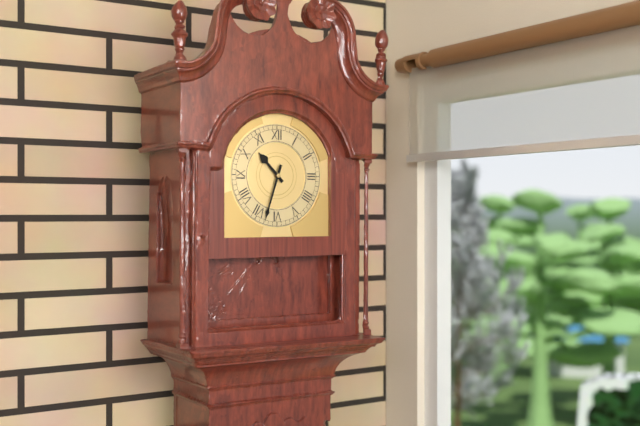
**10:33**
